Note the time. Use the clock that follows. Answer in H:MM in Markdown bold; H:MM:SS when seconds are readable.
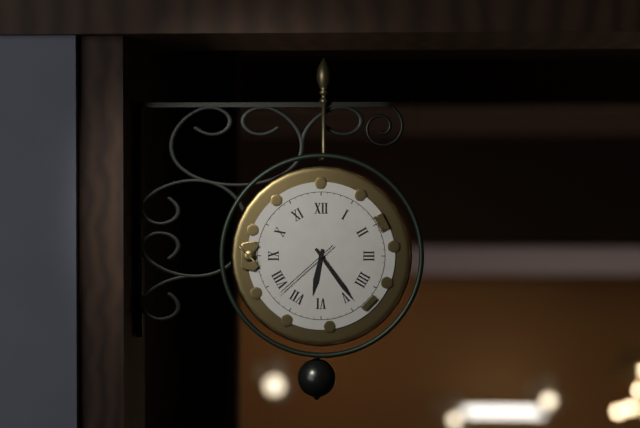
**6:24:38**
